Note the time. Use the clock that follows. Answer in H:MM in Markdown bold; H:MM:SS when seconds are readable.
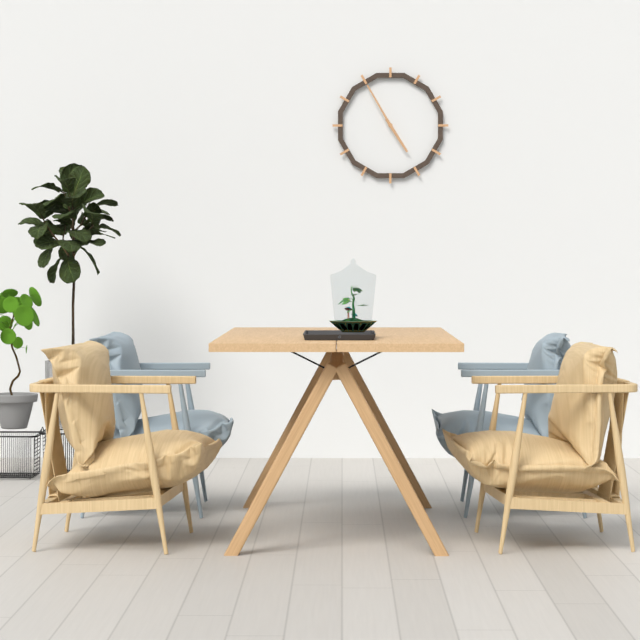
**4:55**
